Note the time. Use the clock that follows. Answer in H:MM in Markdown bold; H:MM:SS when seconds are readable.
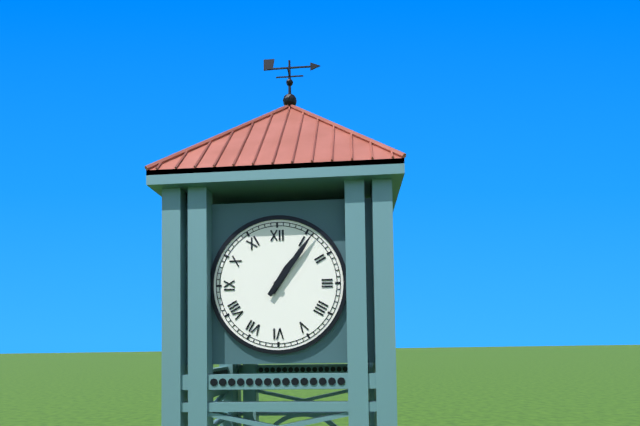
**1:06**
